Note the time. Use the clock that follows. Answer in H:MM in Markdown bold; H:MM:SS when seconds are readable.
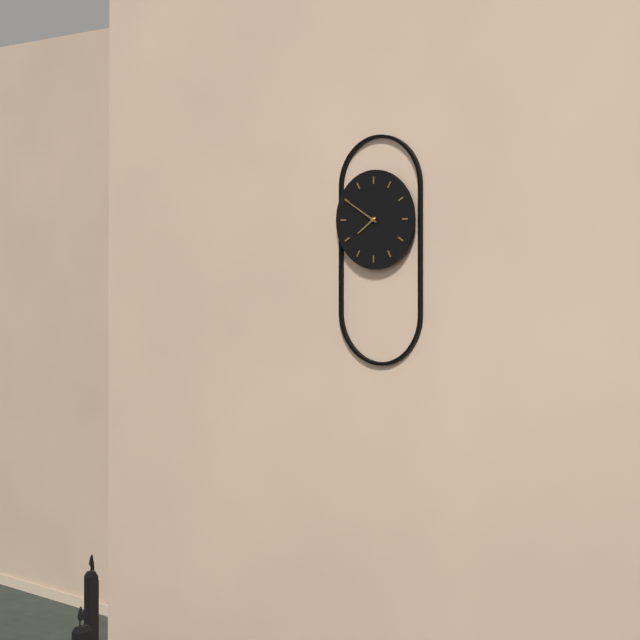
**7:50**
